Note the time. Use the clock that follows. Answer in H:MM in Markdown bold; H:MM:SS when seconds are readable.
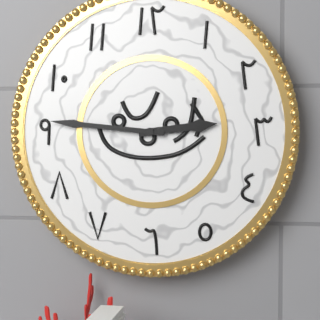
**2:46**
